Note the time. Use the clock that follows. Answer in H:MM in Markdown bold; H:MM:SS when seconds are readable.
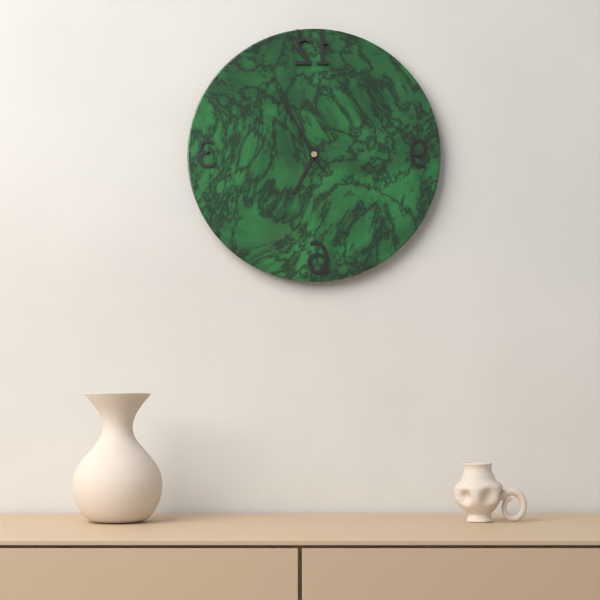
**6:55:55**
